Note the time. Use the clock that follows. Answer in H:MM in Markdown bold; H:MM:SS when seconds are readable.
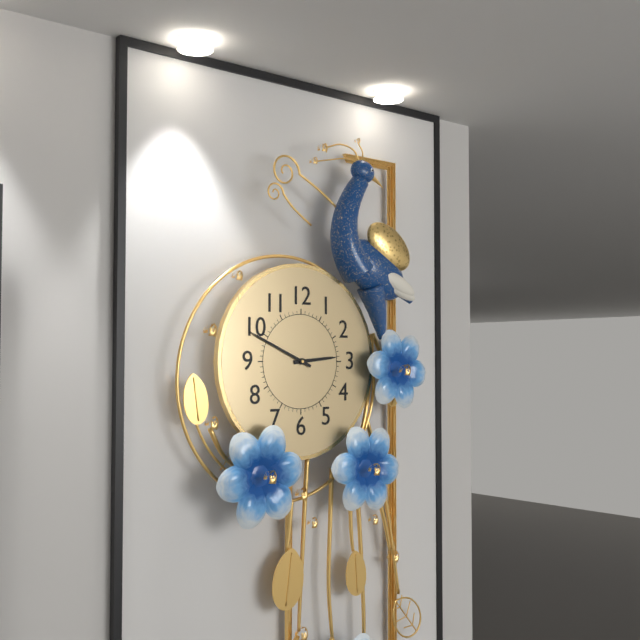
**2:49**
